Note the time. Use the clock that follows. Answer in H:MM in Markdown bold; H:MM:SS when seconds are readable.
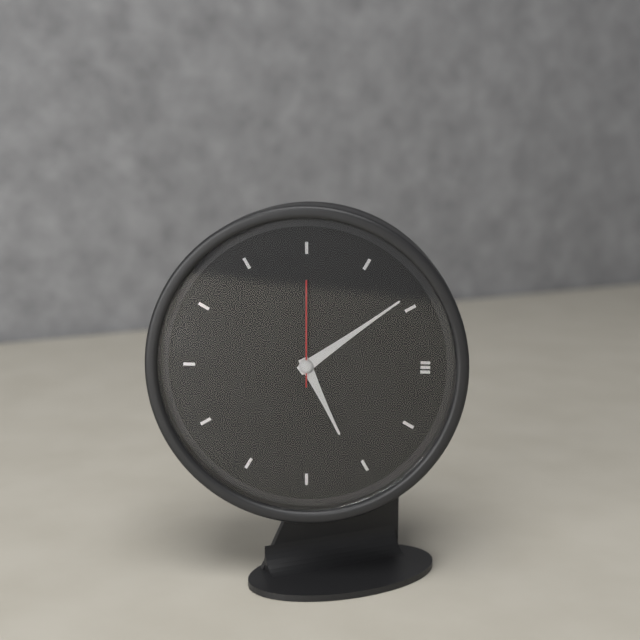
**5:09:00**
